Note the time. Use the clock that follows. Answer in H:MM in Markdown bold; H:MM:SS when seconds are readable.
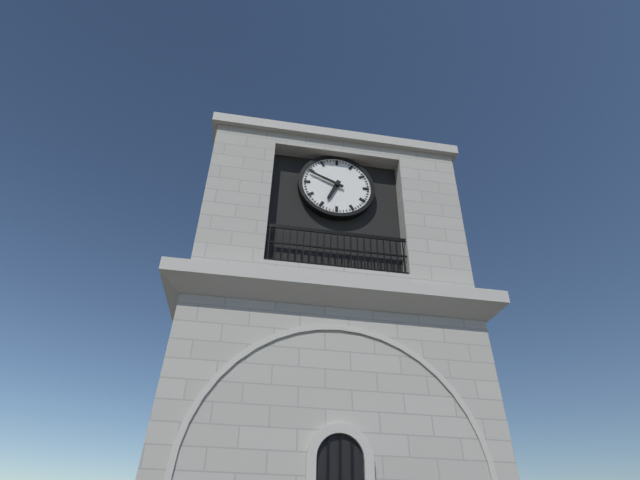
**6:49**
